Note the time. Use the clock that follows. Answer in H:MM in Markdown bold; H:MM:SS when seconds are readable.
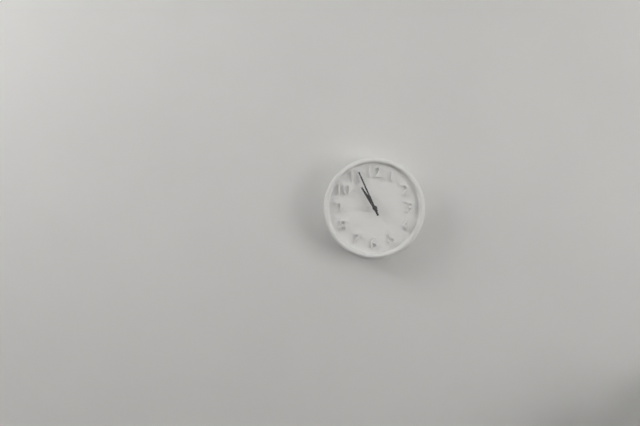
**10:56**
